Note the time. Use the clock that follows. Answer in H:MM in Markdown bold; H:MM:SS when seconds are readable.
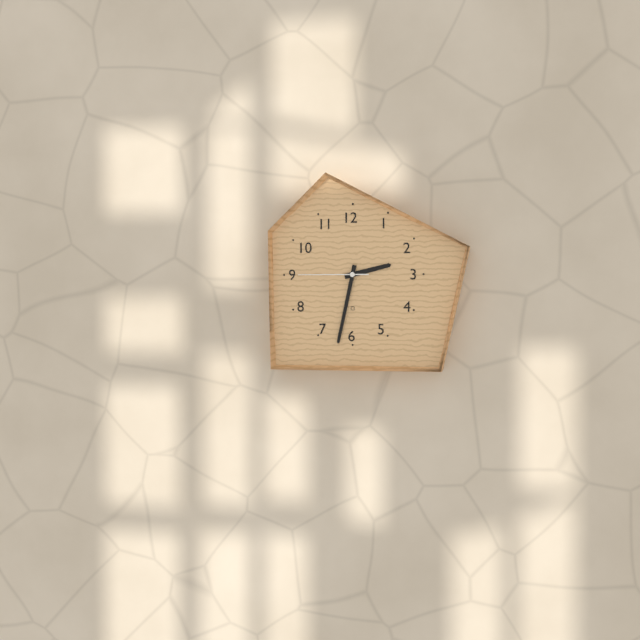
**2:32:45**
